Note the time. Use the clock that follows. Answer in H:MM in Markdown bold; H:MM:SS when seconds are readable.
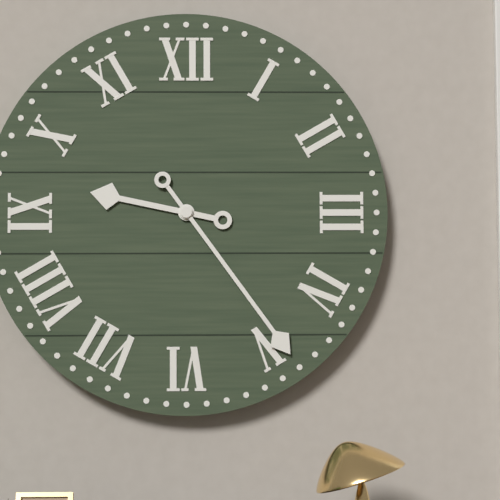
**9:24**
